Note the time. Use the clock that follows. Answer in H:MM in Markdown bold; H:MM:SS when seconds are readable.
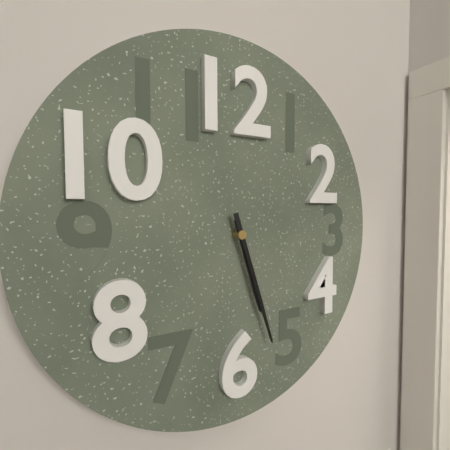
**5:27**
